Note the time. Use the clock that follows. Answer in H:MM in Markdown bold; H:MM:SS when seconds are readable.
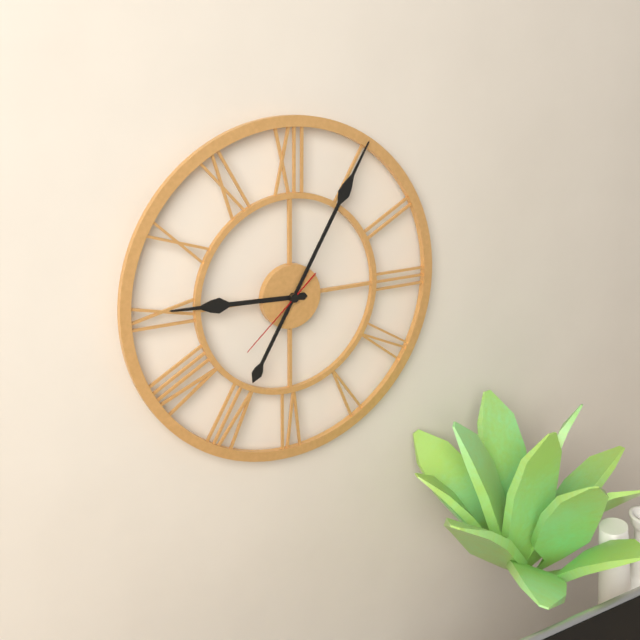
**9:05:38**
